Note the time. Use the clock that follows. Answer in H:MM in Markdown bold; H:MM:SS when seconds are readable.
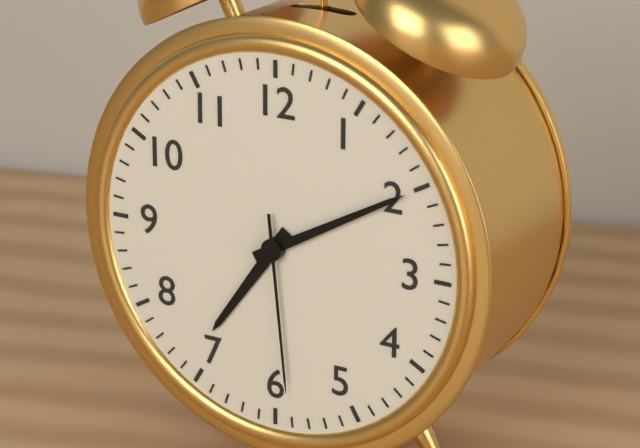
**7:10:29**
